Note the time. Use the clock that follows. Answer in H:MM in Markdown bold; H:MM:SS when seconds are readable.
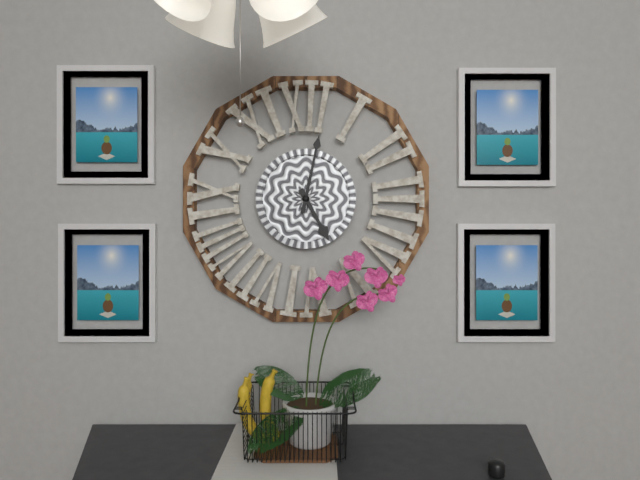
**5:02**
